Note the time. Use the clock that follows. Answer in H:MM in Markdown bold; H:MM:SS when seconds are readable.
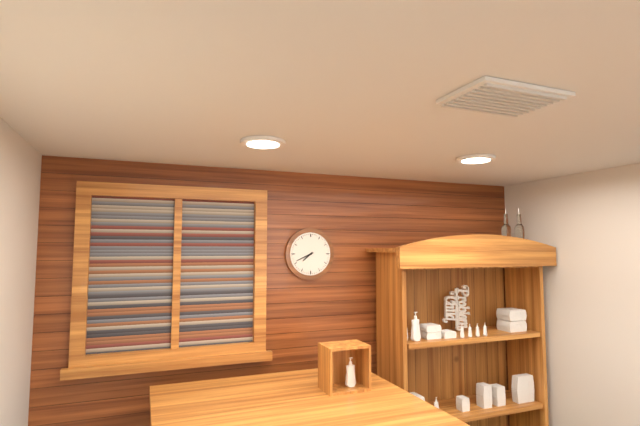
**7:41**
